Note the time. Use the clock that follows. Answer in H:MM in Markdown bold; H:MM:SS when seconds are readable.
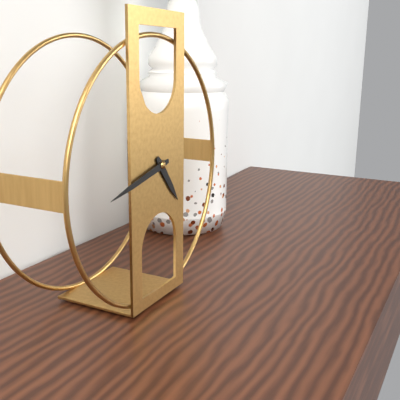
**4:43**
